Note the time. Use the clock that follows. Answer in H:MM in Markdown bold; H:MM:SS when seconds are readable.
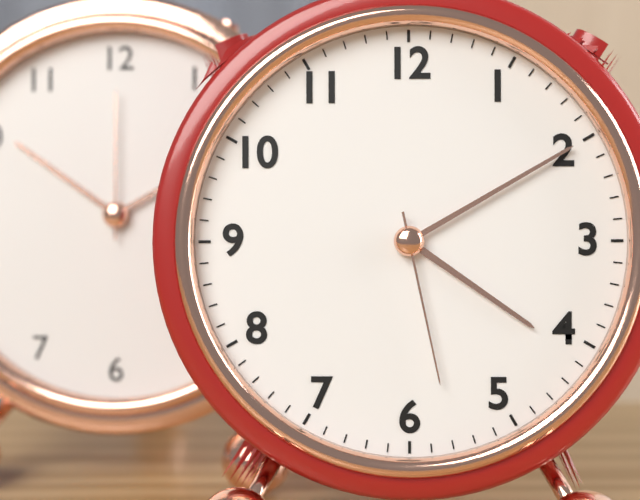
**4:10:28**
